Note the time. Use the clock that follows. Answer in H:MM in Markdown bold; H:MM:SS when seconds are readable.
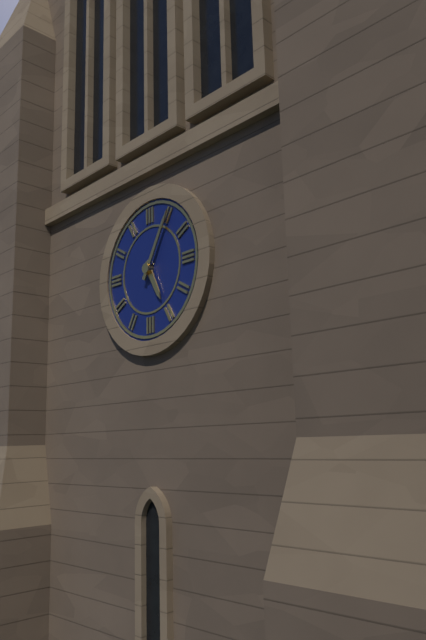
**5:05**
